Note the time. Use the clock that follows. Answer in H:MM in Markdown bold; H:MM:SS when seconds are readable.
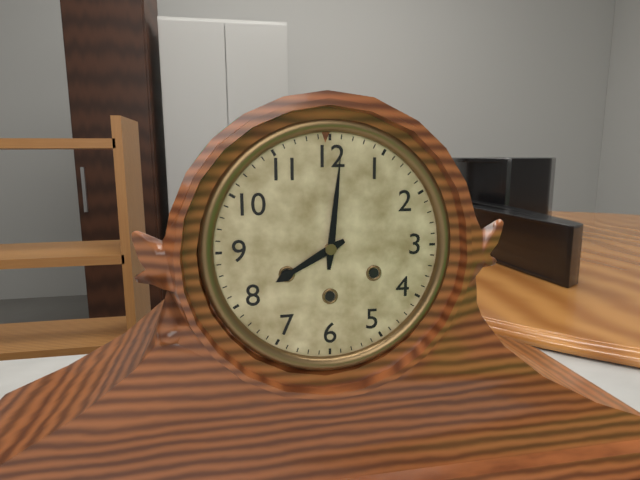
**8:01**
